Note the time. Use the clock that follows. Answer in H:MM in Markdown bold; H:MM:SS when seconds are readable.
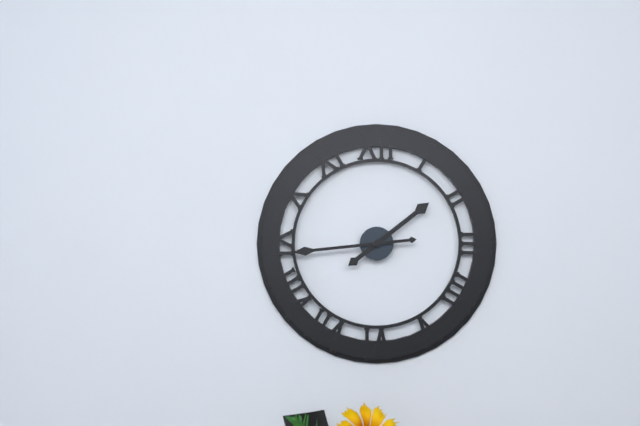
**1:44**
